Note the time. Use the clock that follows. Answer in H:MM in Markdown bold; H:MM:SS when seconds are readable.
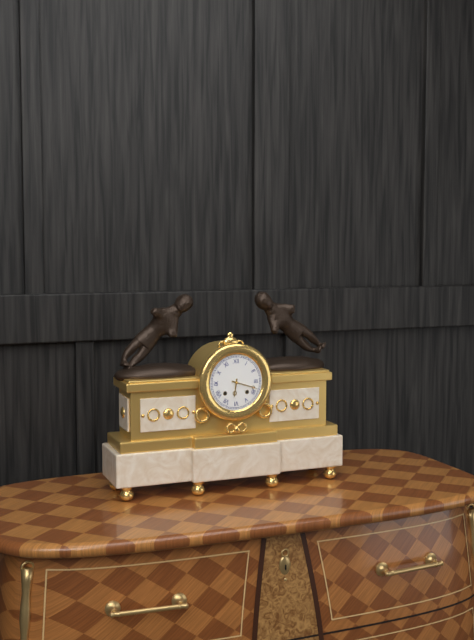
**6:18**
